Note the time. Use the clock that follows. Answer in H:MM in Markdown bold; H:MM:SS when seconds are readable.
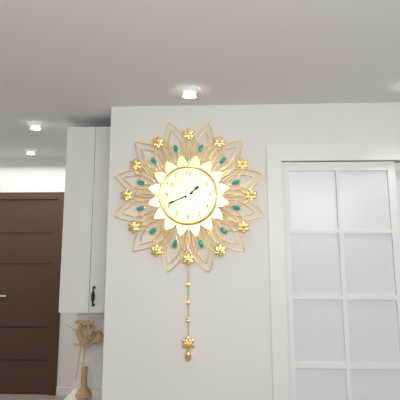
**1:41**
